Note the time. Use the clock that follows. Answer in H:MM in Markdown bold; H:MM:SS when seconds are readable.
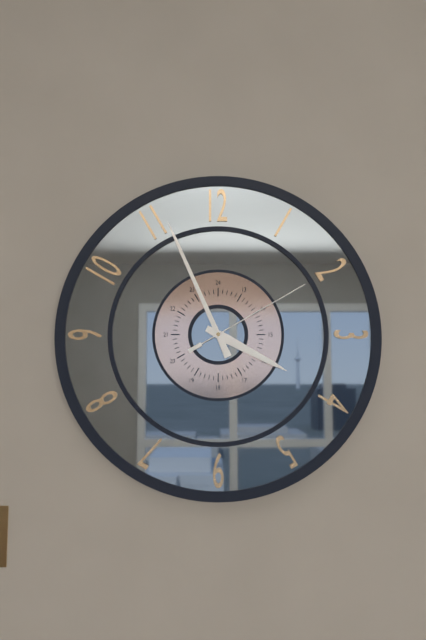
**3:56:10**
